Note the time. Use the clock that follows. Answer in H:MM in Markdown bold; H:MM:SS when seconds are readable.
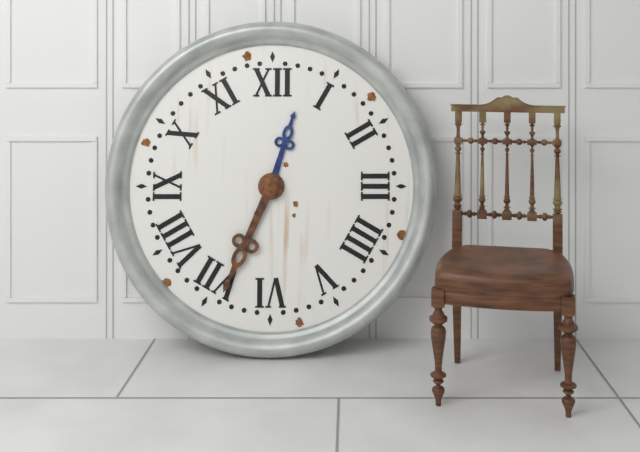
**12:34**
